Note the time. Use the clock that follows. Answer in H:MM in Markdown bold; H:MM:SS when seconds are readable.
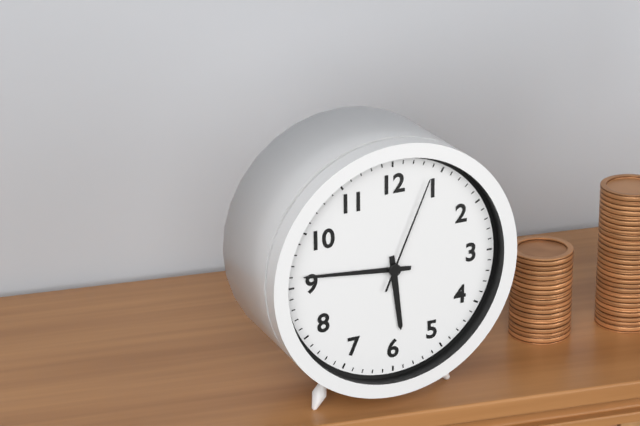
**5:46:04**
